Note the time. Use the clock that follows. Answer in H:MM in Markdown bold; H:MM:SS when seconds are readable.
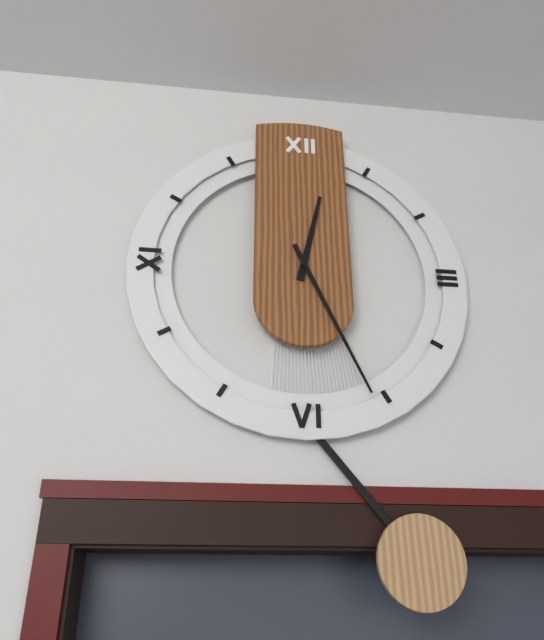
**12:26**
